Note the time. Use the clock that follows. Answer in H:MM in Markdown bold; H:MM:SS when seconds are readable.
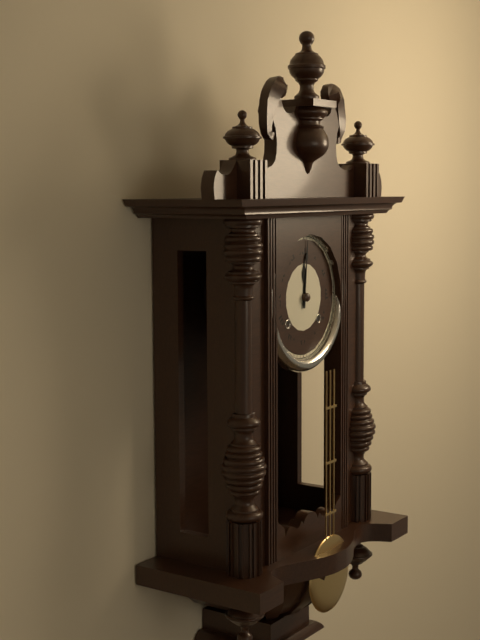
**12:01**
